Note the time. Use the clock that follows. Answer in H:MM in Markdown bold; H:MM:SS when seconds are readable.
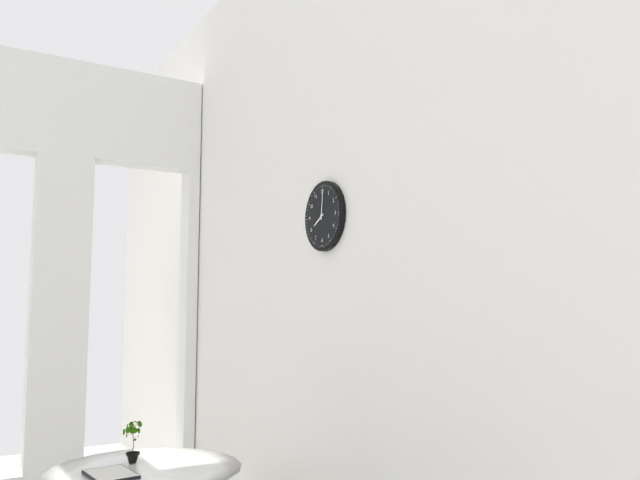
**8:01**
